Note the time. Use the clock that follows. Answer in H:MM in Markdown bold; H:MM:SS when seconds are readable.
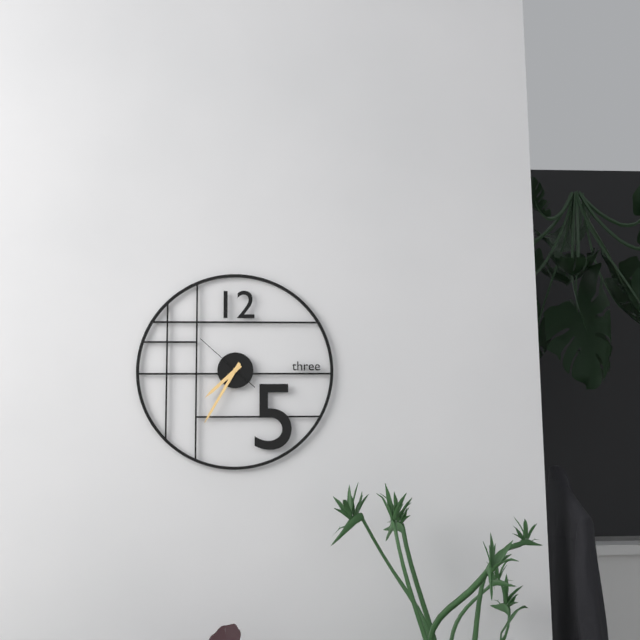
**7:35:52**
